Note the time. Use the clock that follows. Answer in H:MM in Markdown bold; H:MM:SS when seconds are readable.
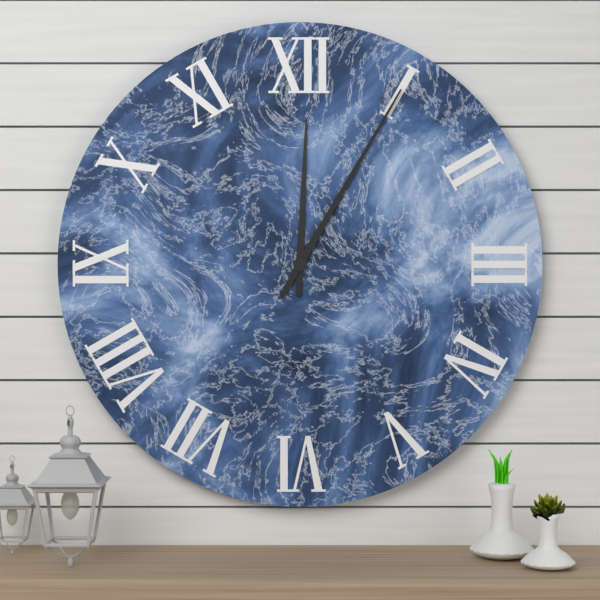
**12:05**
